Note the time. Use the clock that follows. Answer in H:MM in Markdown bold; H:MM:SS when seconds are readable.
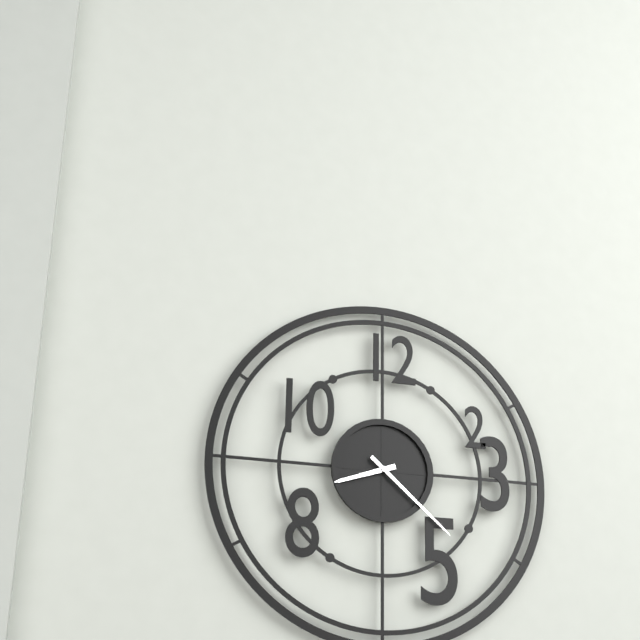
**8:22**
